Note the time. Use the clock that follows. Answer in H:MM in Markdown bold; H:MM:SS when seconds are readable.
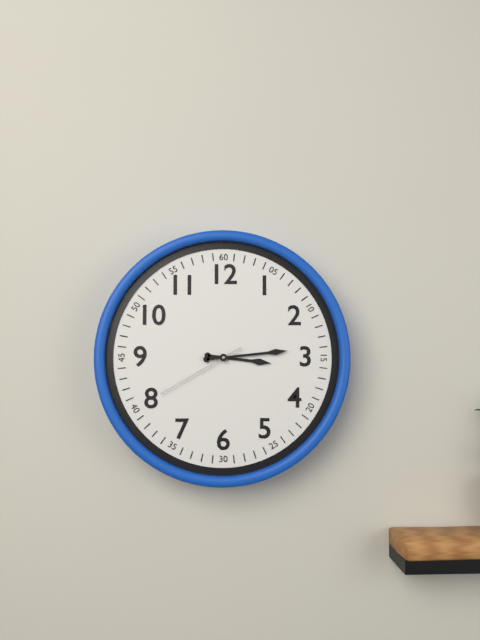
**3:14:40**
